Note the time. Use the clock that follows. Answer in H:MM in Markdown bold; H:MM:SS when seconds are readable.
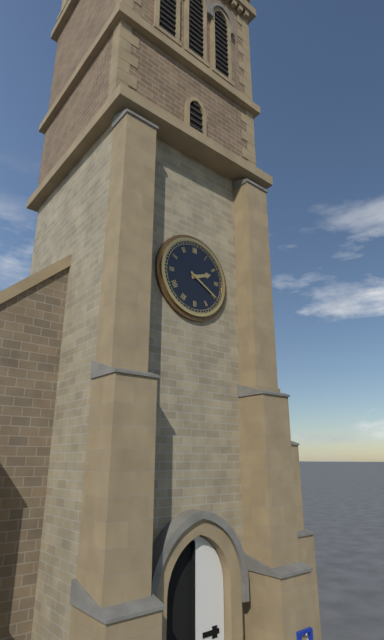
**2:20**
